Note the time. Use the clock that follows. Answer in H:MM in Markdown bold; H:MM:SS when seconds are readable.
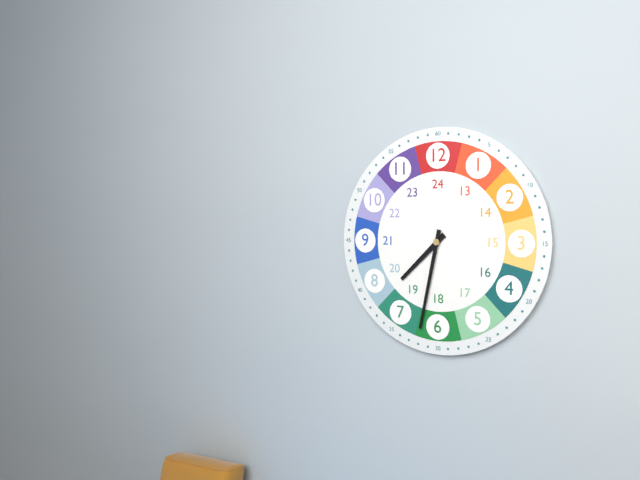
**7:32**
